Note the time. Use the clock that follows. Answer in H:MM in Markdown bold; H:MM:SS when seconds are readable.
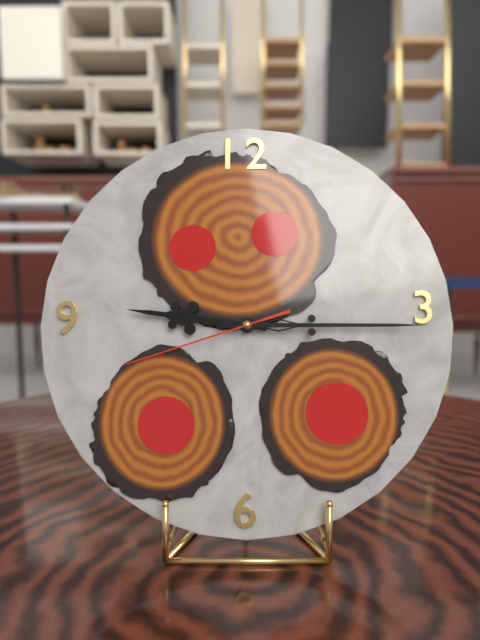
**9:15:42**
